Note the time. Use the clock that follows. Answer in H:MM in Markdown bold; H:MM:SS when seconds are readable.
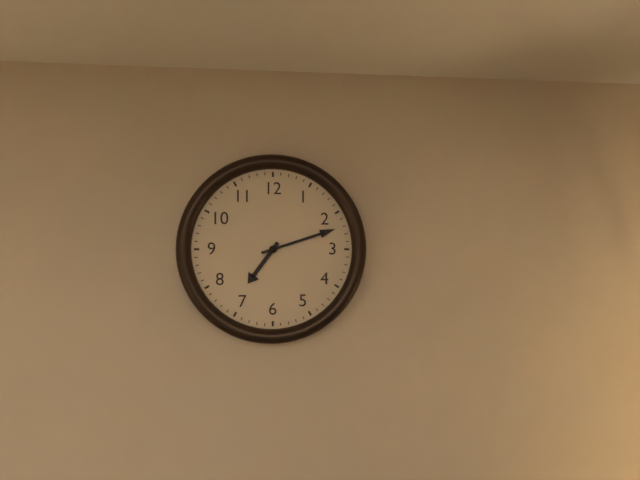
**7:12**
